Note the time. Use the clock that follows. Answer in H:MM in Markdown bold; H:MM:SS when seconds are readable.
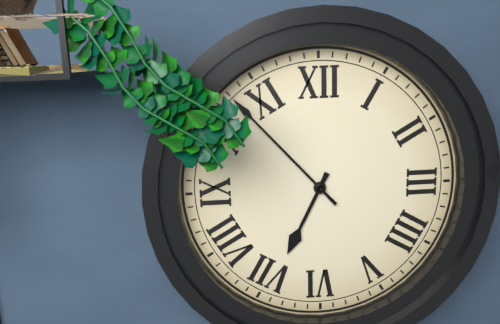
**6:53**
